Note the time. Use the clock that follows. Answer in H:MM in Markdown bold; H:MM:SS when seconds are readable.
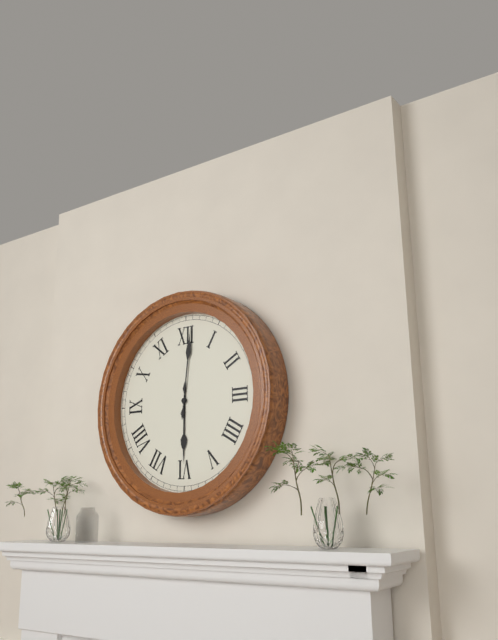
**6:01**
